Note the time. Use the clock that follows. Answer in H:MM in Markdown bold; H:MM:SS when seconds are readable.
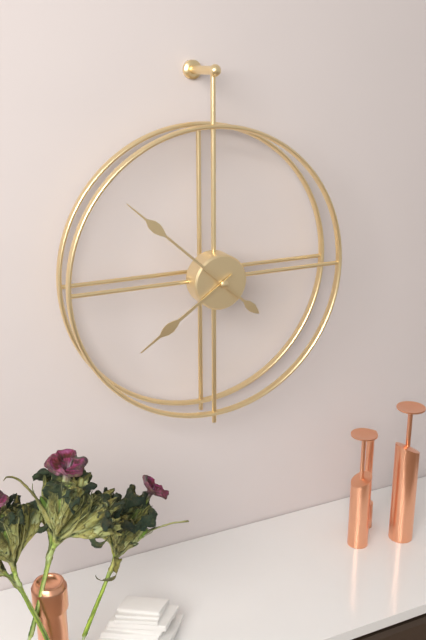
**7:52**
